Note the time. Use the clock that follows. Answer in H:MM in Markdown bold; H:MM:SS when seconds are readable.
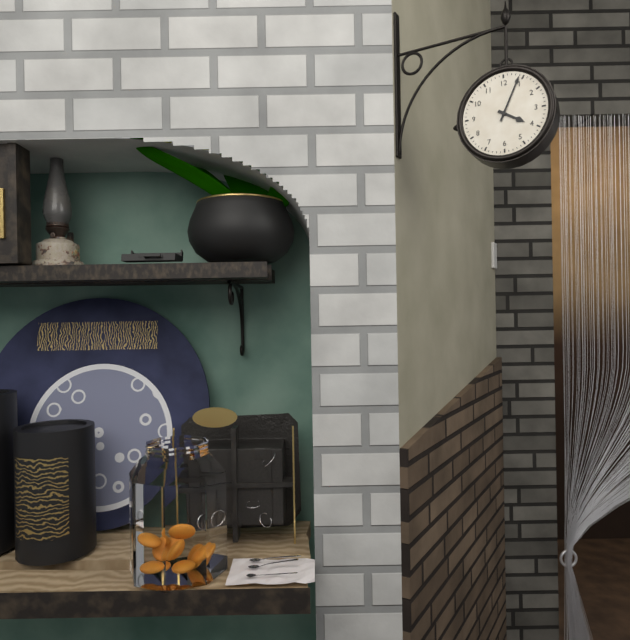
**4:04**
